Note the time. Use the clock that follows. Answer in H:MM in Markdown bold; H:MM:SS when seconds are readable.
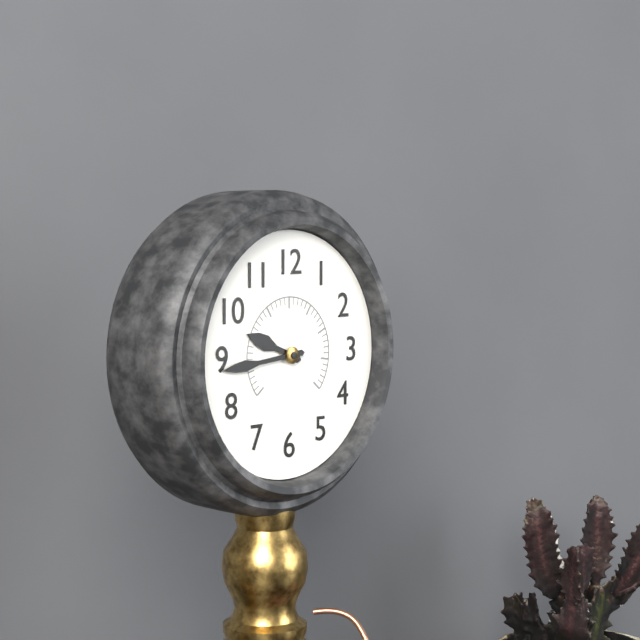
**9:44**
